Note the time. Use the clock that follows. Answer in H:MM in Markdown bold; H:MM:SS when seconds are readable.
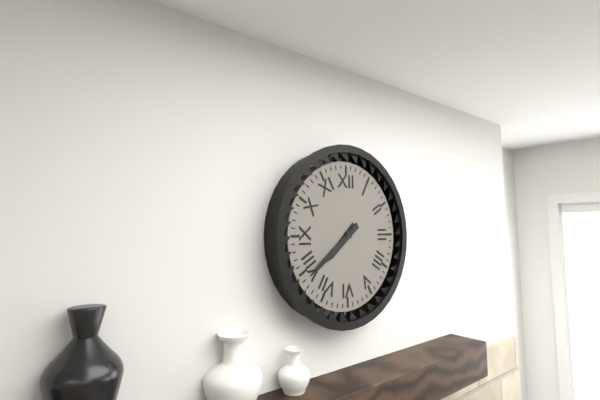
**7:39**
